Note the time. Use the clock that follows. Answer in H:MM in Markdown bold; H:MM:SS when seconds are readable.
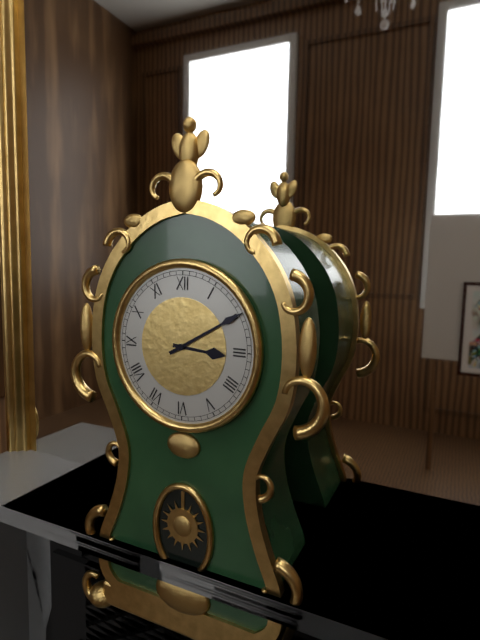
**3:10**
